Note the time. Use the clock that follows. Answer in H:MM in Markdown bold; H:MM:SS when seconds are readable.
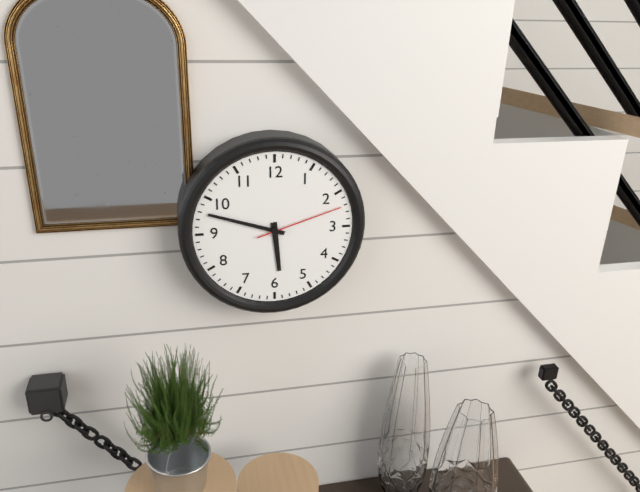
**5:48:12**
